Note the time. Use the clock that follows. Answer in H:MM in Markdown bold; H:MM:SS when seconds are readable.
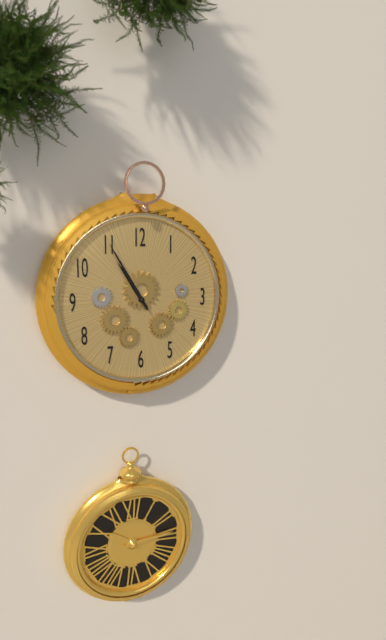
**10:55**
